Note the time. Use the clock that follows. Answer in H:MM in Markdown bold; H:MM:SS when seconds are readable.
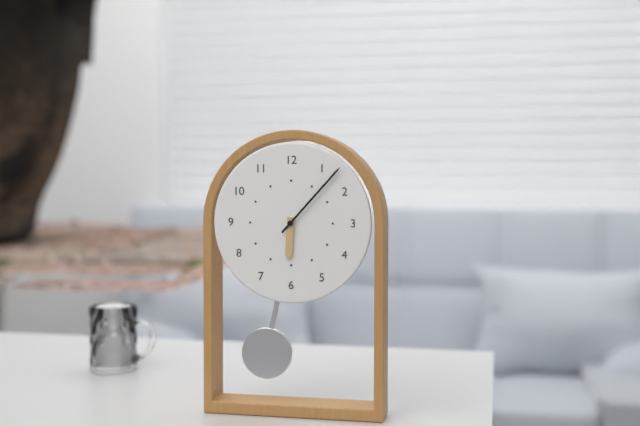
**6:07**
